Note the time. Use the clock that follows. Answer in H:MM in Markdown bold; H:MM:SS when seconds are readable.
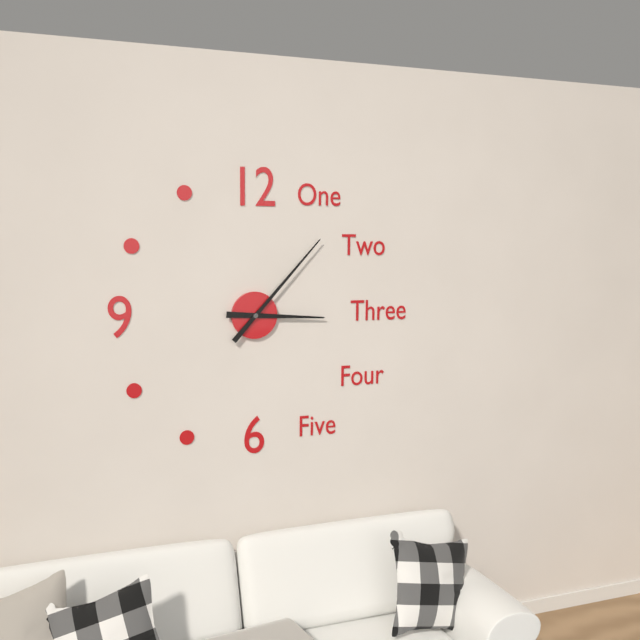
**3:07**
